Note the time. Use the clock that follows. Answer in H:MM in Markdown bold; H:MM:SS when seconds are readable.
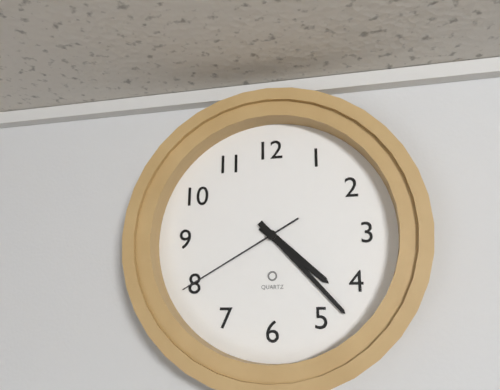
**4:23:40**
